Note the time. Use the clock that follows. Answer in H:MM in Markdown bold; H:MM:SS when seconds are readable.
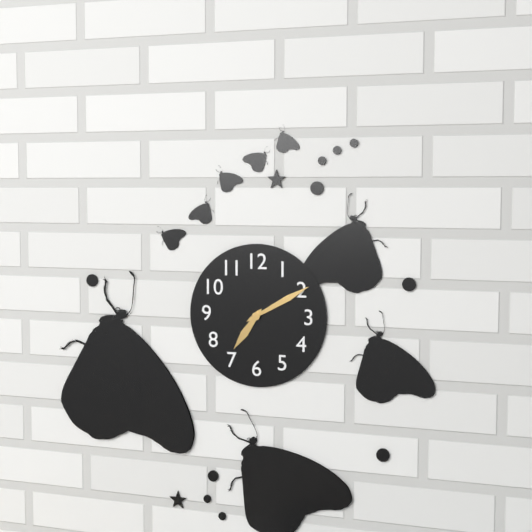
**7:10**
